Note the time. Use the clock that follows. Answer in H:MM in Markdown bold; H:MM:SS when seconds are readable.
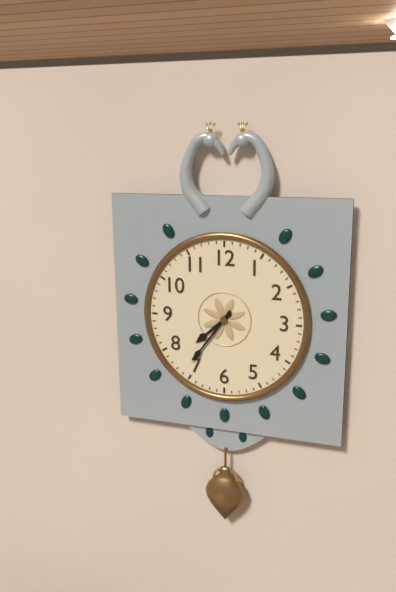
**7:36**
